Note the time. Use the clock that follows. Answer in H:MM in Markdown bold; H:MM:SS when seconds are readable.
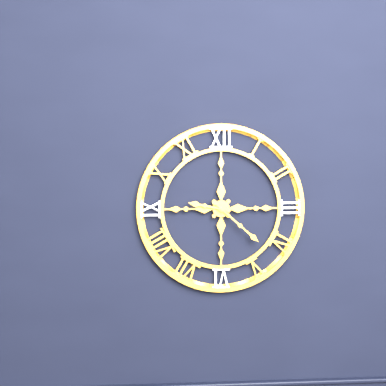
**9:22**
